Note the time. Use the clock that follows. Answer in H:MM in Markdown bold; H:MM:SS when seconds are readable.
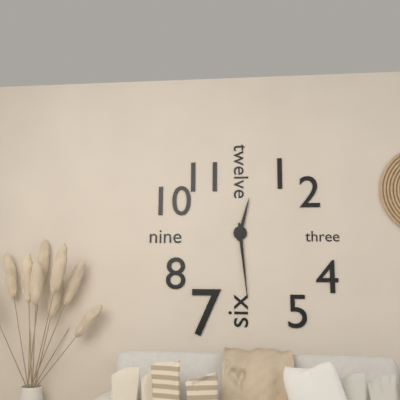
**12:29**
